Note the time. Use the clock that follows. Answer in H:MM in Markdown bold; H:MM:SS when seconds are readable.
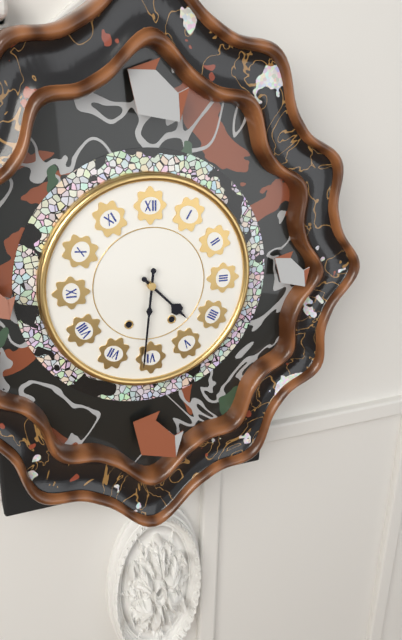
**4:31**
